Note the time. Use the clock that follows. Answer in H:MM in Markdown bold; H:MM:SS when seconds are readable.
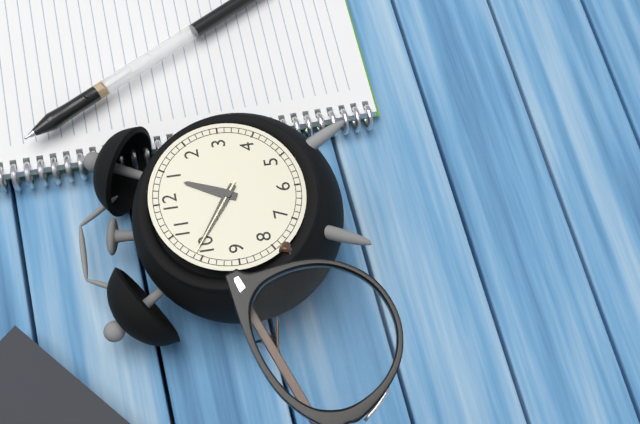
**12:51:51**
